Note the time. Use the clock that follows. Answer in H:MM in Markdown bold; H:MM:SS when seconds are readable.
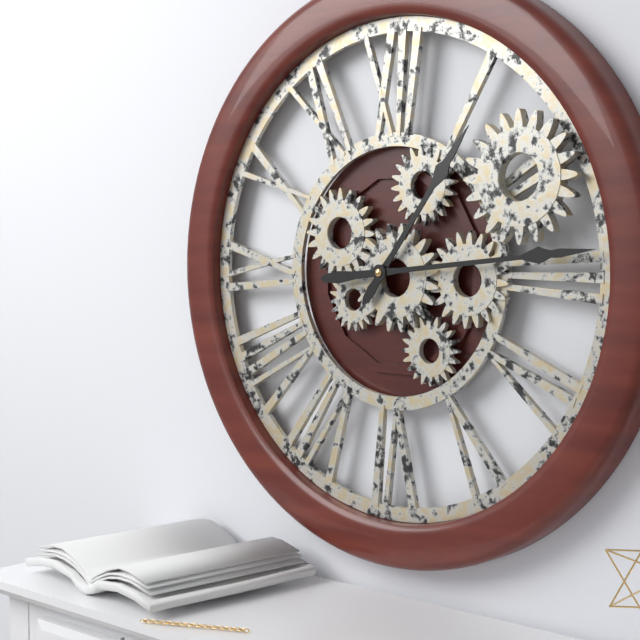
**1:14**
